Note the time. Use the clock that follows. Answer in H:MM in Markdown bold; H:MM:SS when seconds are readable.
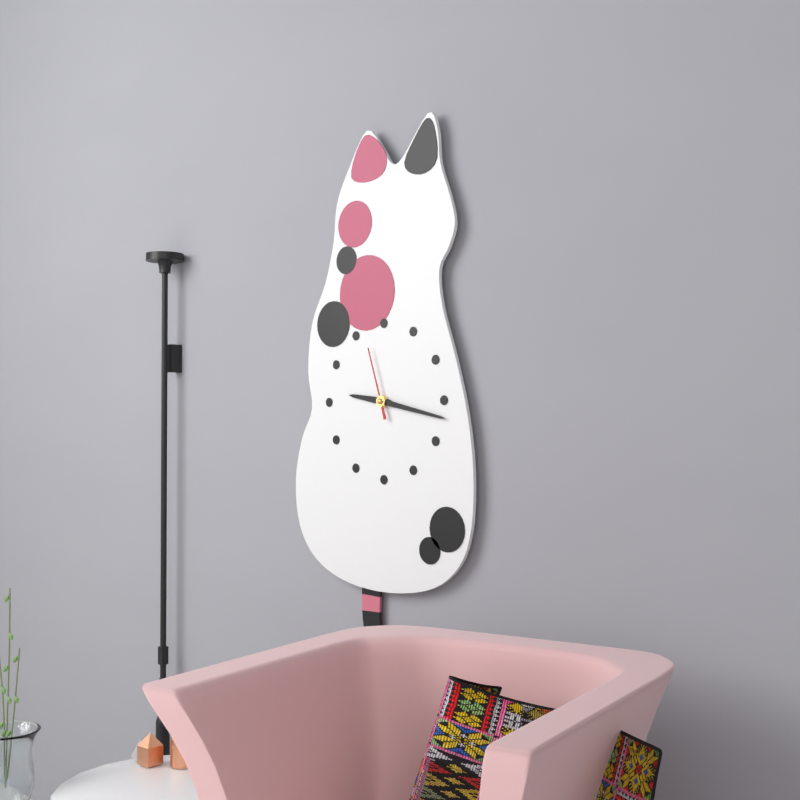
**9:17:57**
